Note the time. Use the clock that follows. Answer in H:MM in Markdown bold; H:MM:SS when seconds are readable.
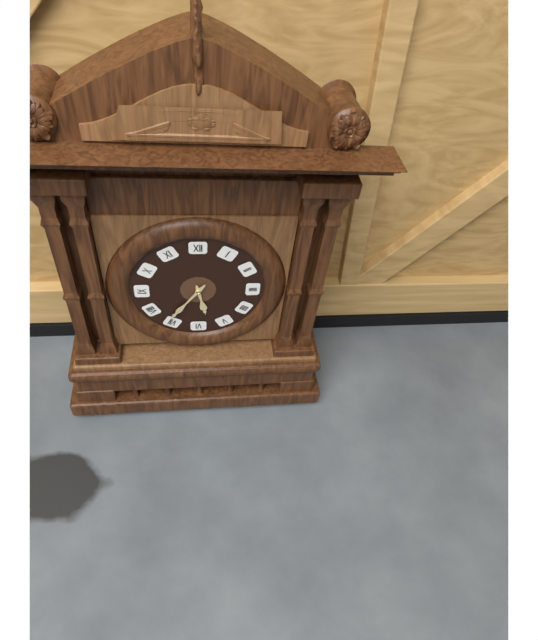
**5:36**
